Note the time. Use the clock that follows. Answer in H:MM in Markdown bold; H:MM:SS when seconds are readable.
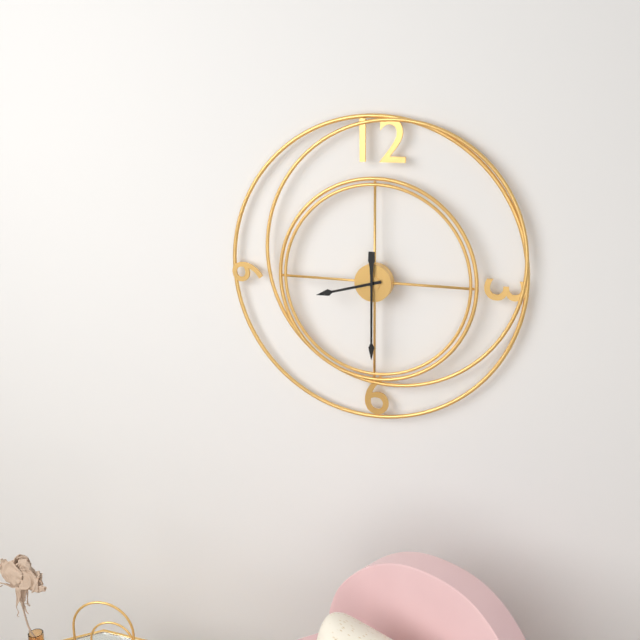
**8:30**
